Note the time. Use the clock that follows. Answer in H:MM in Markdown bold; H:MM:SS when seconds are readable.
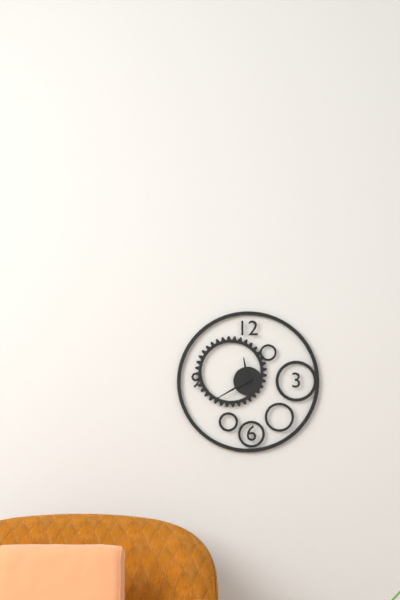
**11:40**
